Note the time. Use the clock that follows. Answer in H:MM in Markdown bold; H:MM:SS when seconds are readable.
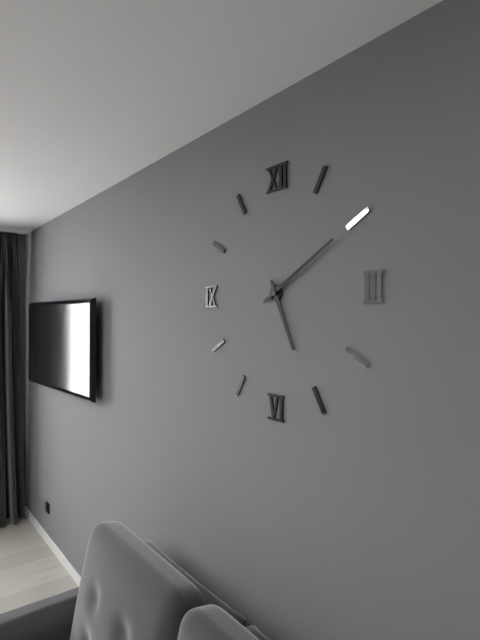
**5:10**
